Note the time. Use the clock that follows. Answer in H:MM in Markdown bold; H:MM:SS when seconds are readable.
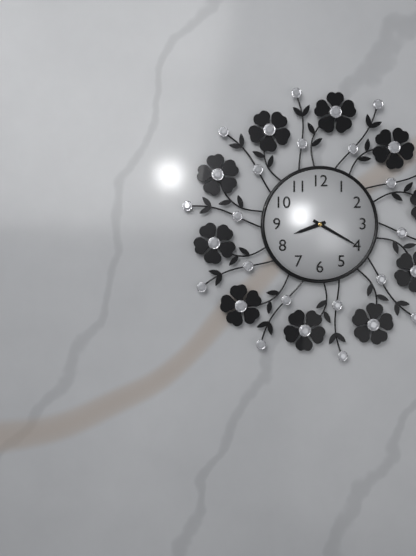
**8:20**
